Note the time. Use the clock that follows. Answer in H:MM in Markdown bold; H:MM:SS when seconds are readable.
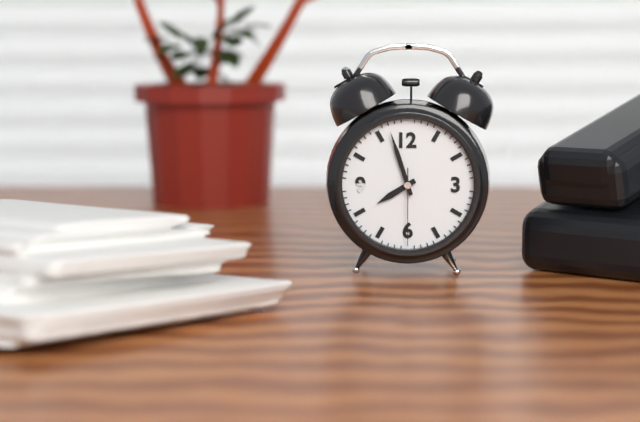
**7:57:30**
